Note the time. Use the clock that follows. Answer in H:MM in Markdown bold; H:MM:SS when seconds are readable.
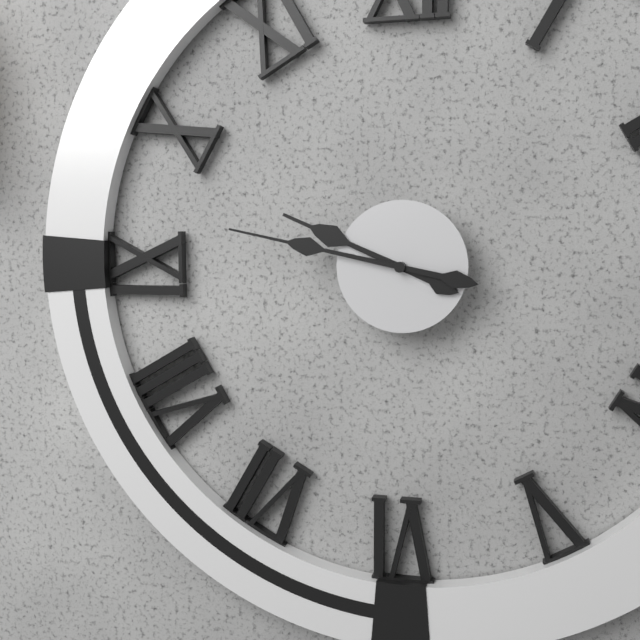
**9:47**
